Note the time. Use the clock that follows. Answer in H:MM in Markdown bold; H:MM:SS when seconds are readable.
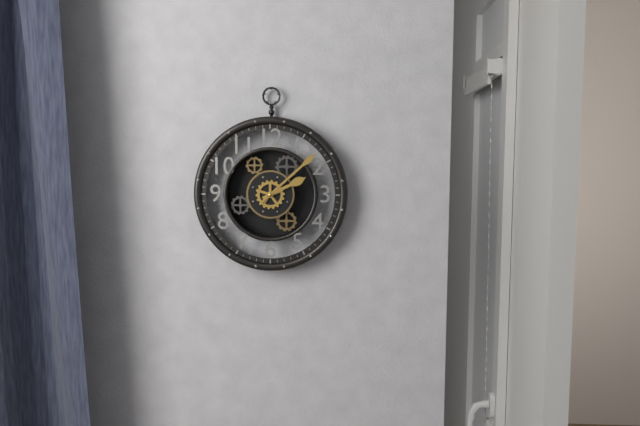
**2:08**
